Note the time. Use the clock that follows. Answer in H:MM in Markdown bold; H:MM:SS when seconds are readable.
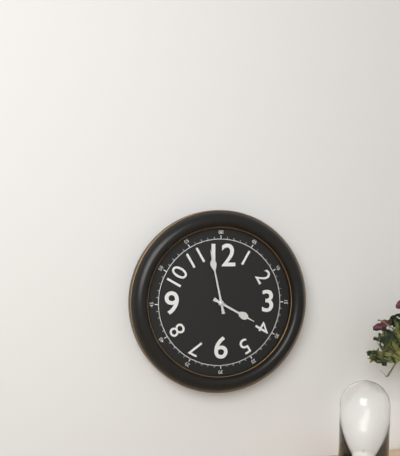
**3:58**
